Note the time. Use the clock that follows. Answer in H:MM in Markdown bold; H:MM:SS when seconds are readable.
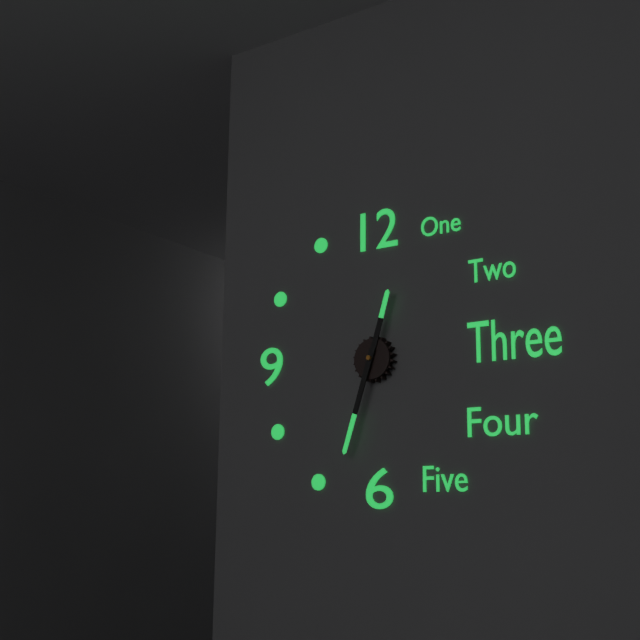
**12:33**
